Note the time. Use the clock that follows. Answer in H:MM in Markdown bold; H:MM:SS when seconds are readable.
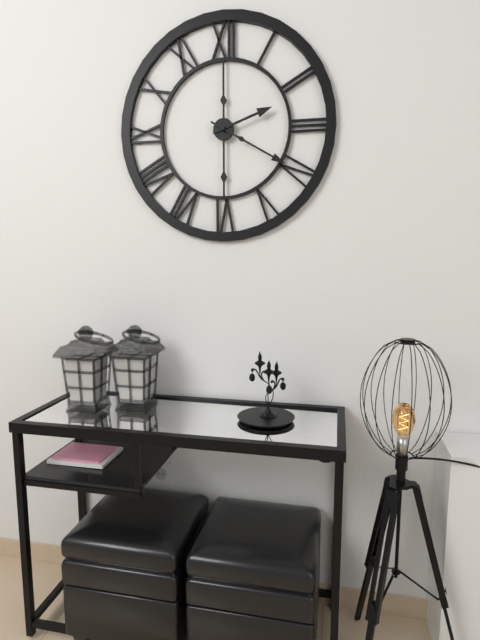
**2:20**
